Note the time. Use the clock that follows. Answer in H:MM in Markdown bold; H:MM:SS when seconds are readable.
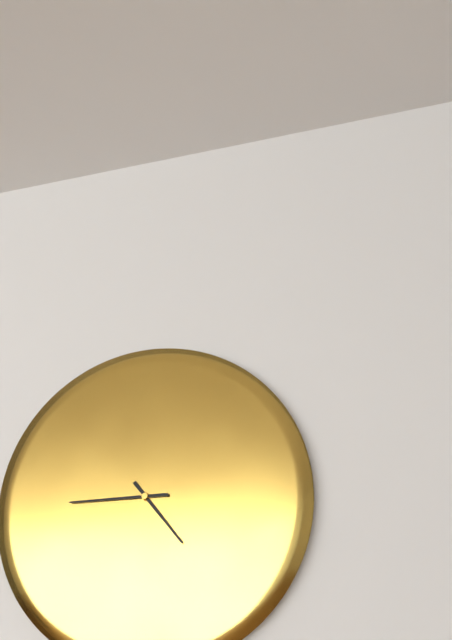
**4:45**
